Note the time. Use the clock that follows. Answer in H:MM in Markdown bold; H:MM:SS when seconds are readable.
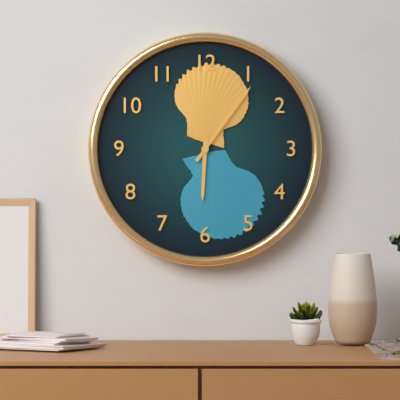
**6:06**
